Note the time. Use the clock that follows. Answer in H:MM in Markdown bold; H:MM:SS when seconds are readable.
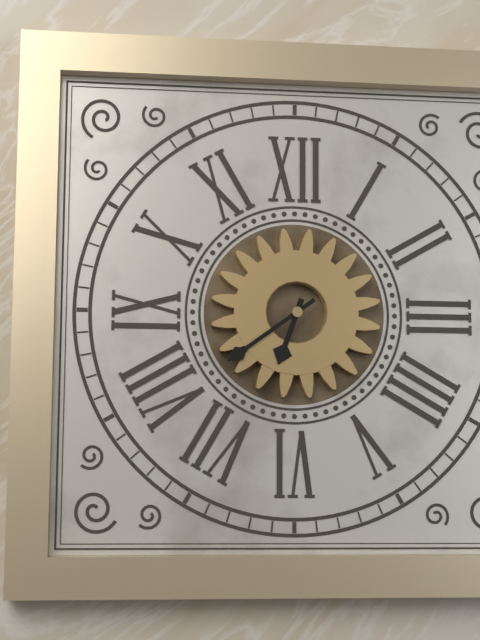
**6:39**
